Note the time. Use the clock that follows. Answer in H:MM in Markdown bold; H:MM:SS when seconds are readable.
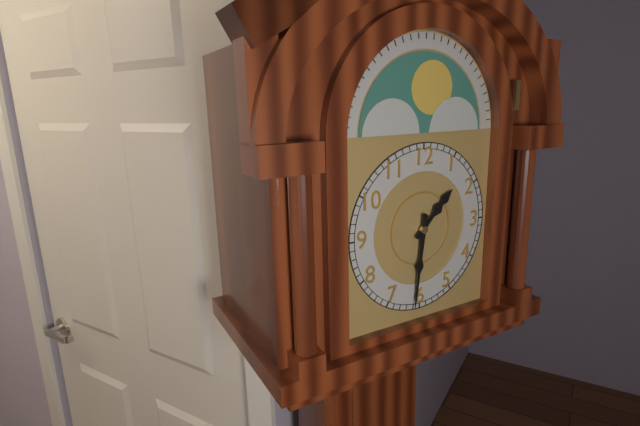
**1:31**
